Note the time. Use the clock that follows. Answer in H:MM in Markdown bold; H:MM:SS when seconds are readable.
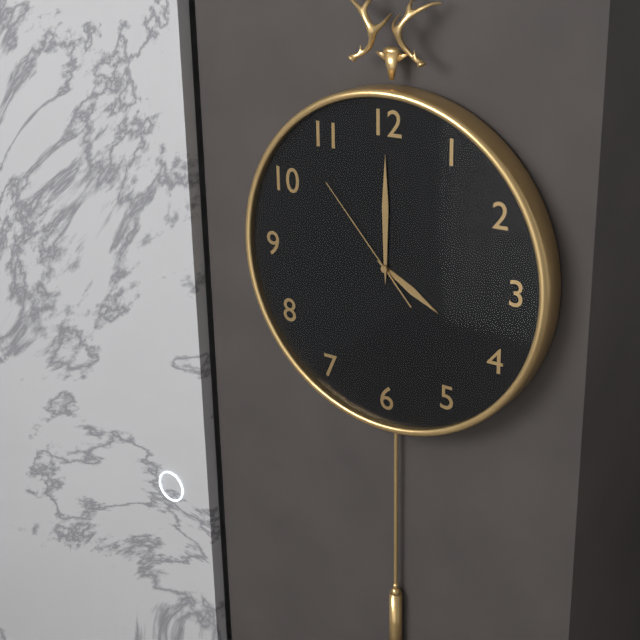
**4:00:53**
